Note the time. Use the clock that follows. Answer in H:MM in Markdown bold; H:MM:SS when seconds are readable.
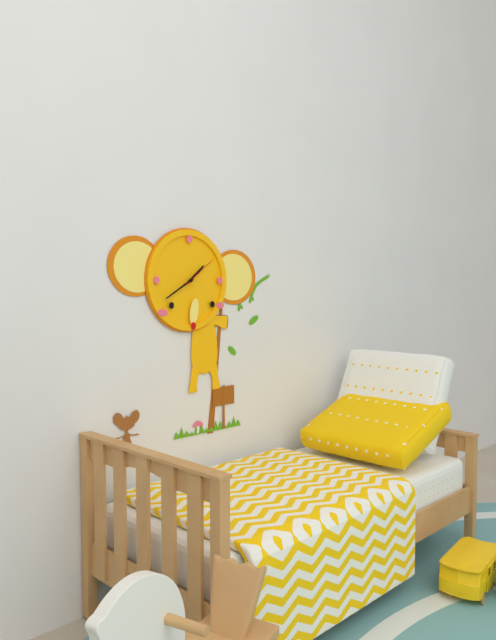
**1:40**
